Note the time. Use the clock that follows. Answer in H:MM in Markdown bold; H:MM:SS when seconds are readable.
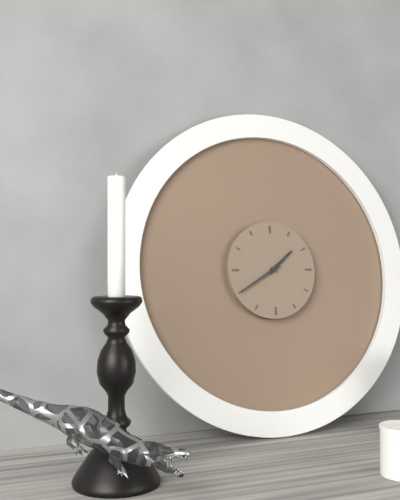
**1:40**
